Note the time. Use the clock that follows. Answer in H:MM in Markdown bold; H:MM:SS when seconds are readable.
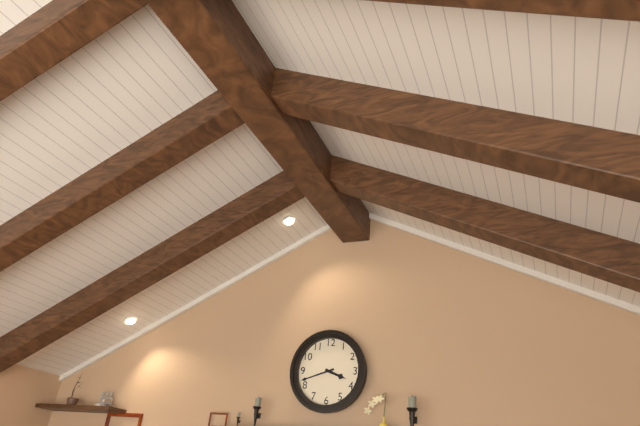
**3:42**
